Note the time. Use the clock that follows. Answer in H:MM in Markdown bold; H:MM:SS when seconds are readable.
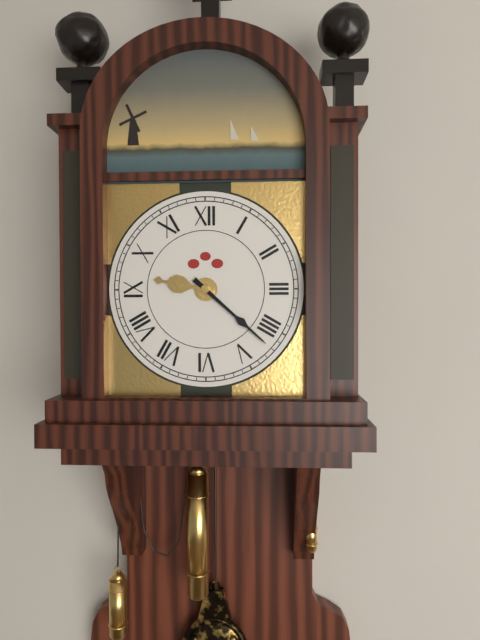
**9:22**
